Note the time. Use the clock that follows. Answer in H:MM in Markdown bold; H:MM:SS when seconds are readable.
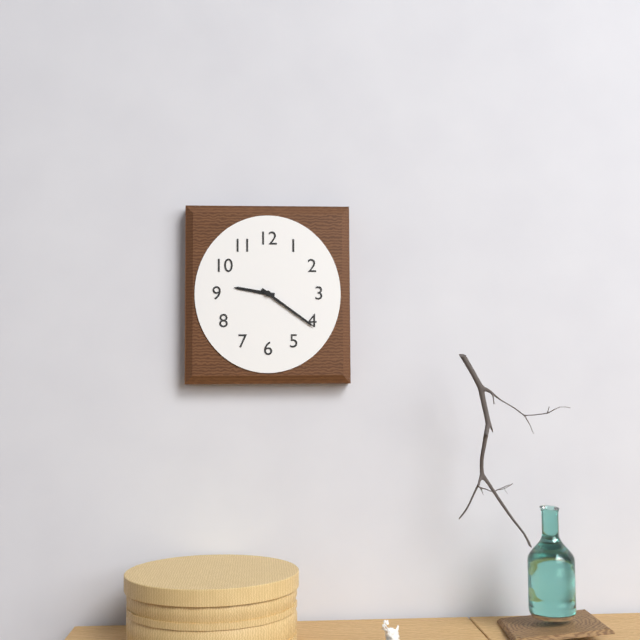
**9:21**
